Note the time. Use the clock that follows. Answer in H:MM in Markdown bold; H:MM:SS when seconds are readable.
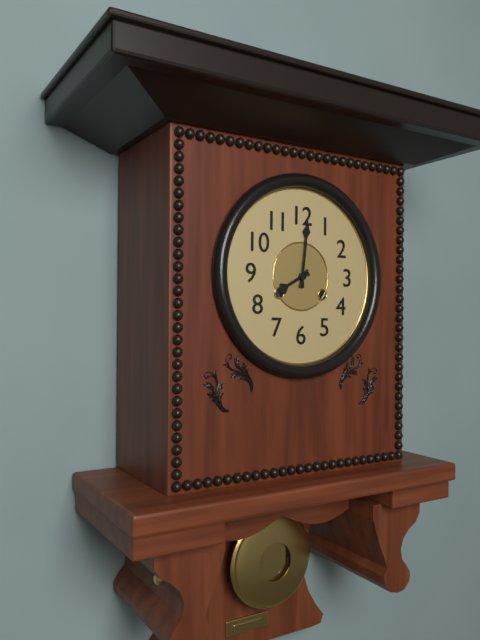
**8:01**
